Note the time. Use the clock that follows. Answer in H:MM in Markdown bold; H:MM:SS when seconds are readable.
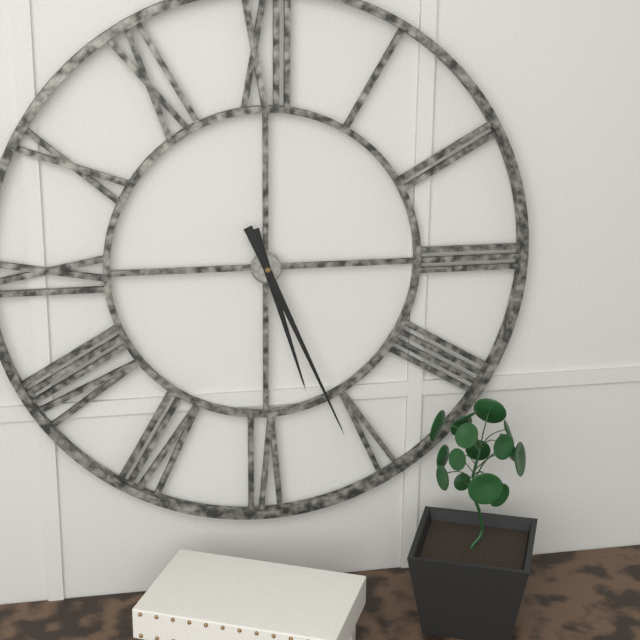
**5:26**
